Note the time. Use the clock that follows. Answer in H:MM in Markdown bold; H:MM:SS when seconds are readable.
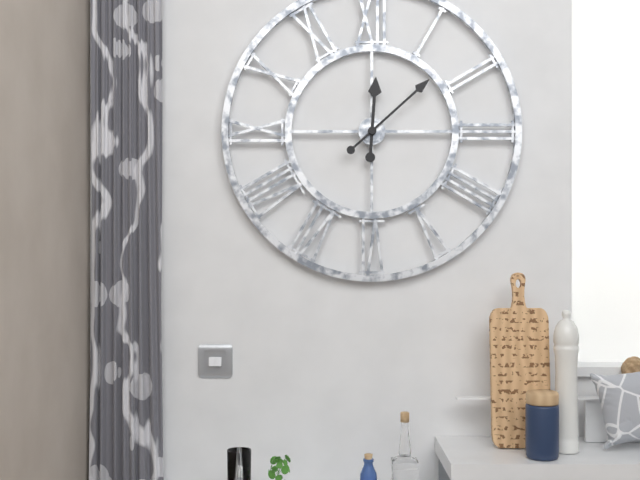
**12:08**
